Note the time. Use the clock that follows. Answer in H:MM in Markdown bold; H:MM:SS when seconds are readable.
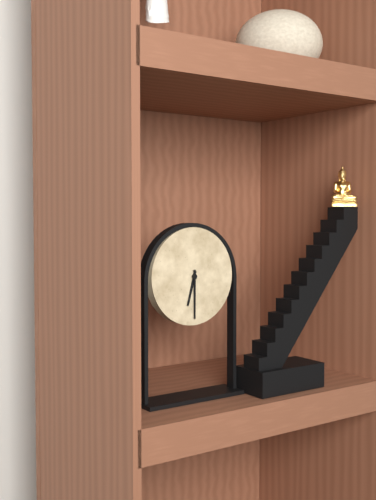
**6:30**
